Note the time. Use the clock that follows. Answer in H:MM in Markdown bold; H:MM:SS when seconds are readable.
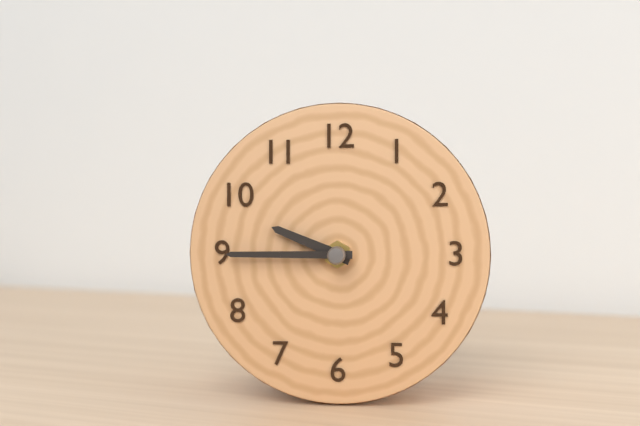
**9:45**
